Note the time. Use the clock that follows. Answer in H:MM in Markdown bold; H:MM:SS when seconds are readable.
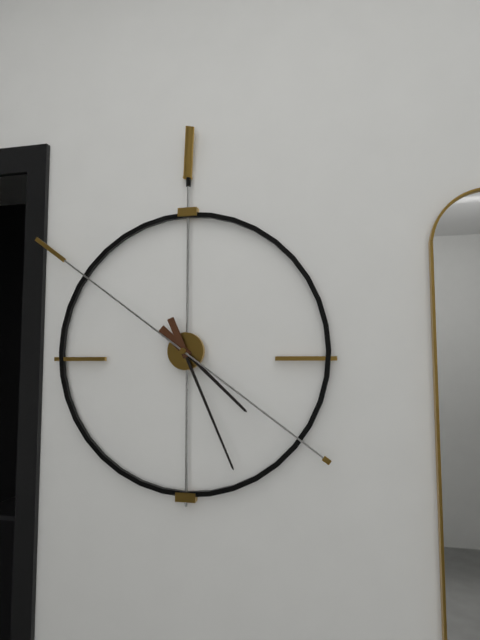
**4:26:51**
